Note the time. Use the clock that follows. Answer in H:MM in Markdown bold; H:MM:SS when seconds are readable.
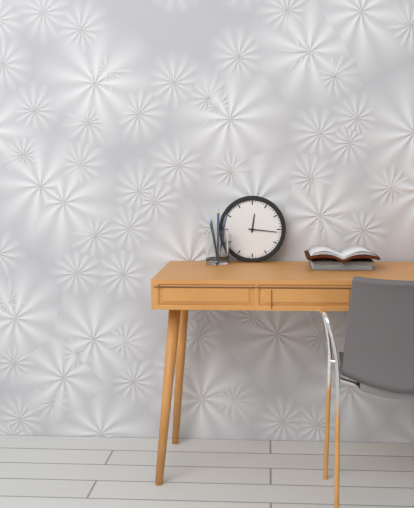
**12:16**
